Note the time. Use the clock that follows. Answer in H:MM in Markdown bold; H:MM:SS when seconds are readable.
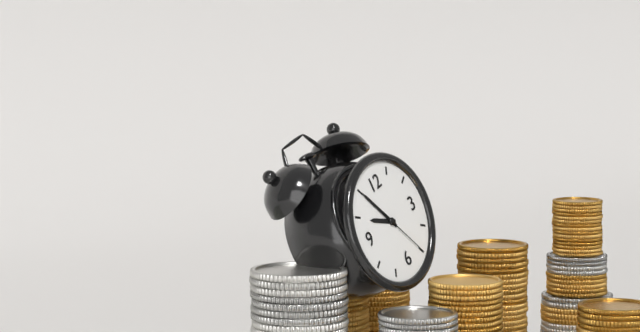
**9:55:25**
